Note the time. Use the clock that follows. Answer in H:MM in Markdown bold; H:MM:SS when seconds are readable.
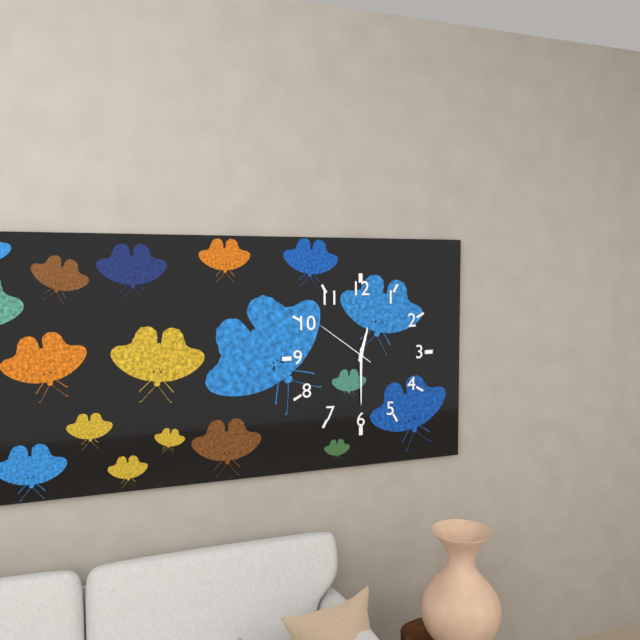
**12:30:51**
